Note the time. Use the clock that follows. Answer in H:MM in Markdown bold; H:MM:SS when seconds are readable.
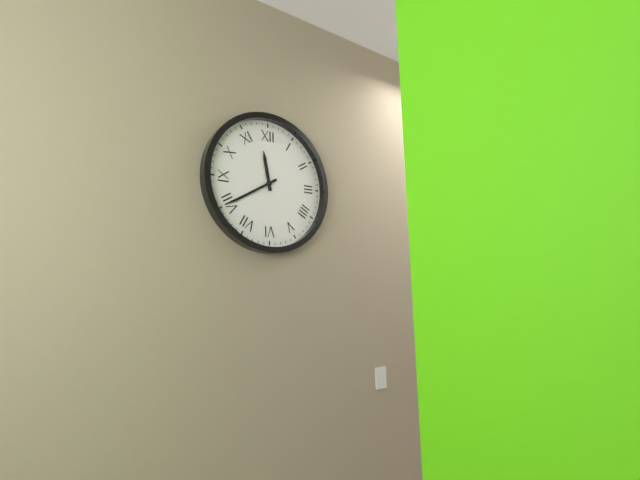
**11:40**
